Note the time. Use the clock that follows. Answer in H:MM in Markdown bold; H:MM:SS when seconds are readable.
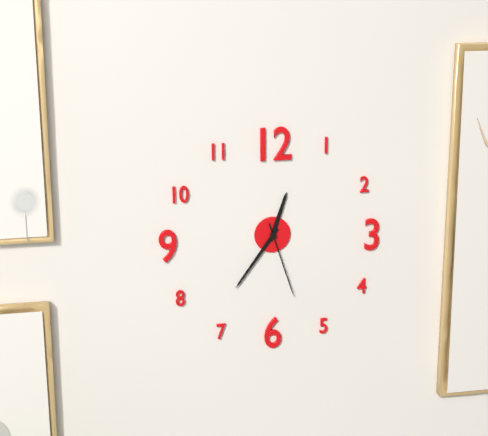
**12:36:27**
